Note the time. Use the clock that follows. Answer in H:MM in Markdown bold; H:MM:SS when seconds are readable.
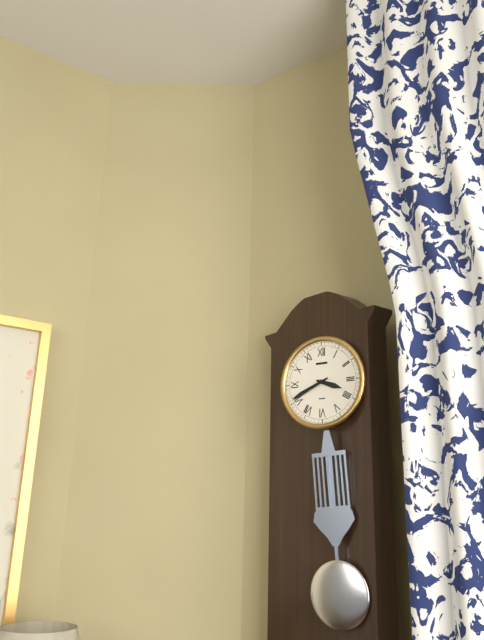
**3:41**
